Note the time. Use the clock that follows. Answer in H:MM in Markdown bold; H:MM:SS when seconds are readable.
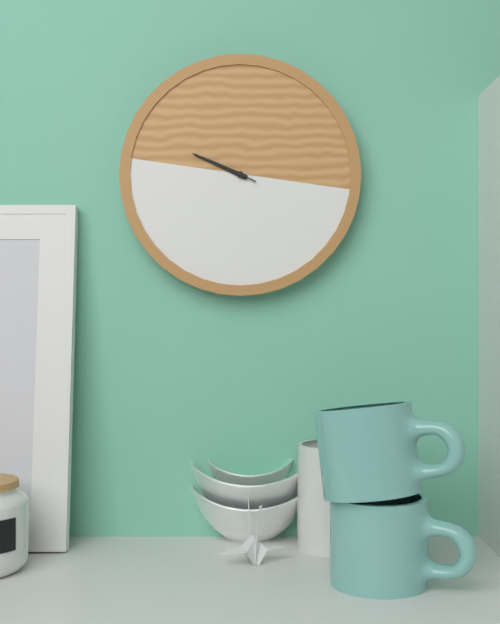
**9:49:49**
